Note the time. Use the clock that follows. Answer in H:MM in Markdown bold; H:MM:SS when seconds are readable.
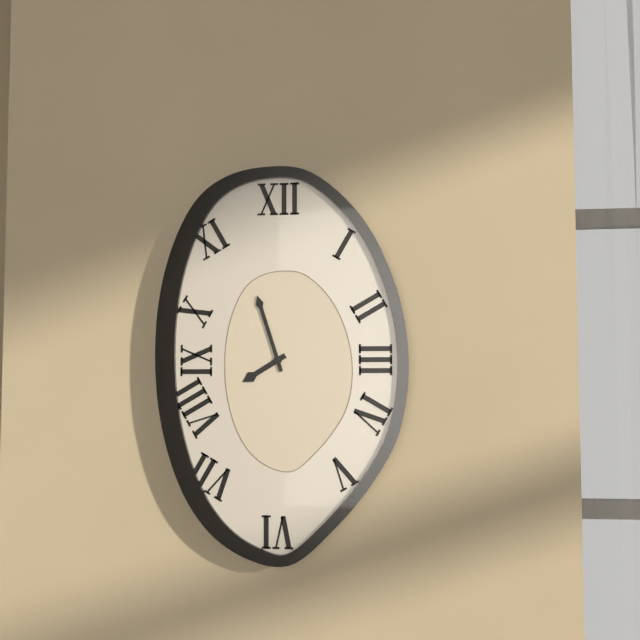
**7:57**
